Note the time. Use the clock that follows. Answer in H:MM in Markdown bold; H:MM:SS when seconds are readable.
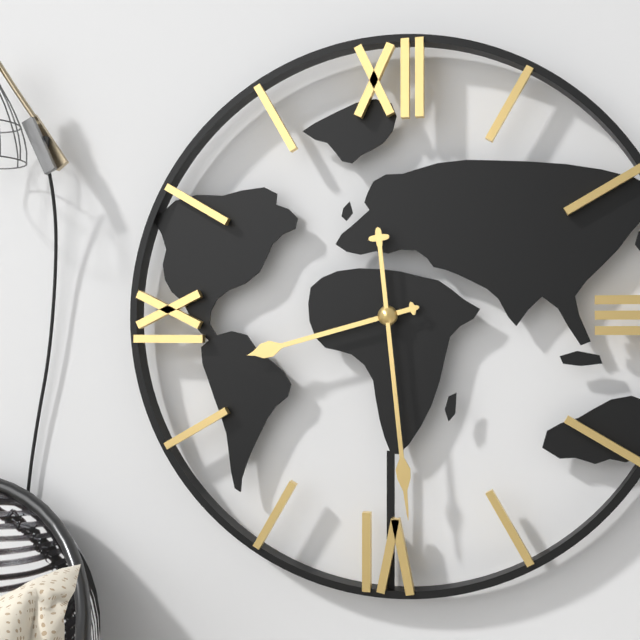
**8:29**
